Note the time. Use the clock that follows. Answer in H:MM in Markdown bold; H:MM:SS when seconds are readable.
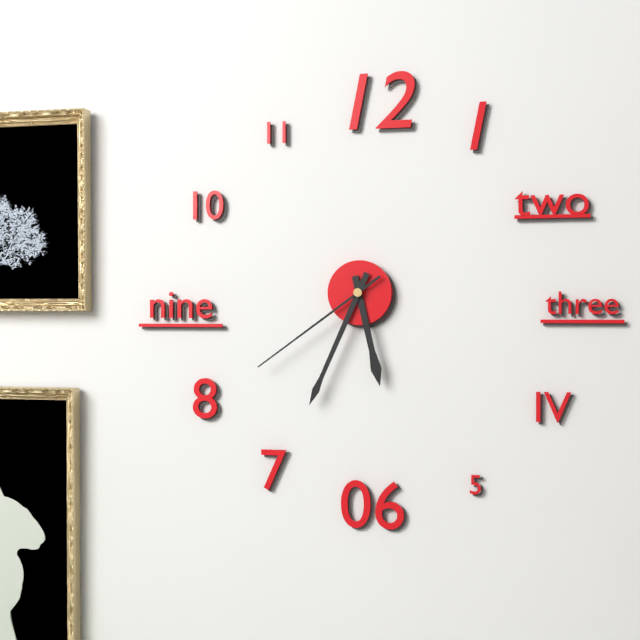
**5:34:39**
